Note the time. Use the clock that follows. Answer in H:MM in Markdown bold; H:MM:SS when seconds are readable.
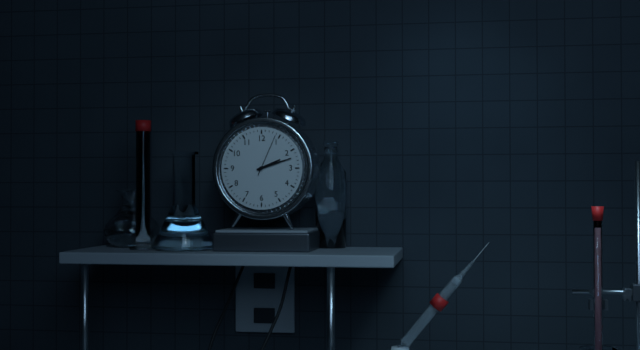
**2:12**
